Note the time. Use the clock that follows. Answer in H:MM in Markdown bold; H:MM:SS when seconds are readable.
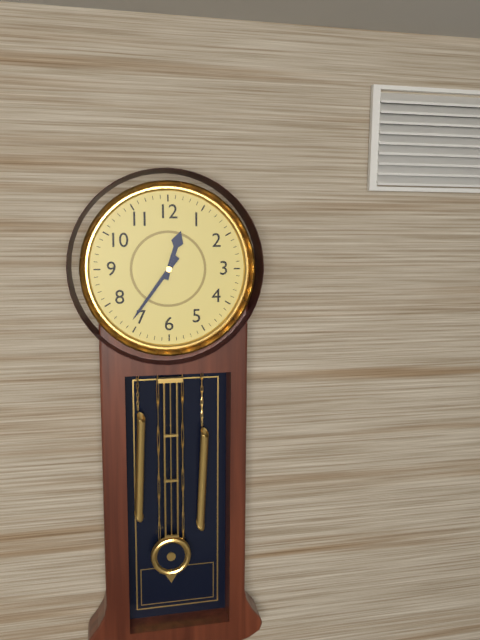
**12:36**
